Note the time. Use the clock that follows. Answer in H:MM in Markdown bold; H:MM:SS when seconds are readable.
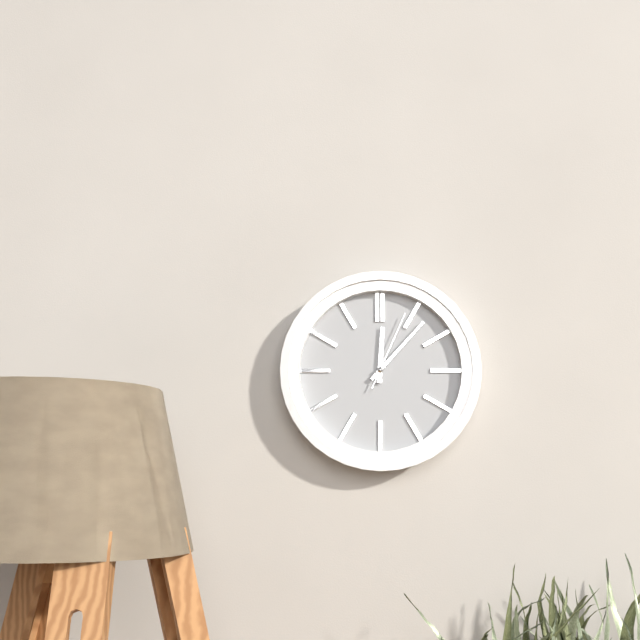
**12:07:04**
